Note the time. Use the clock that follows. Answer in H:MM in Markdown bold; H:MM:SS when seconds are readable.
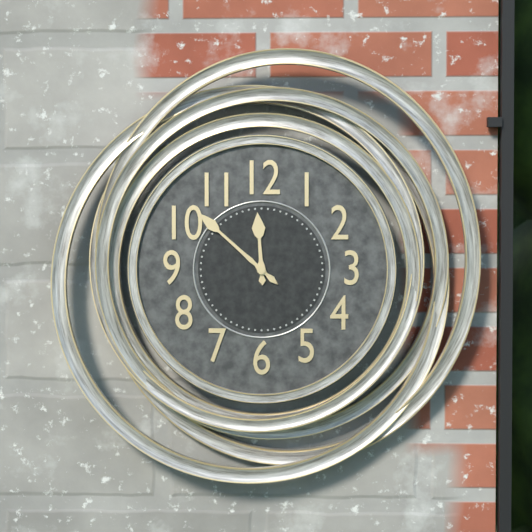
**11:52**
